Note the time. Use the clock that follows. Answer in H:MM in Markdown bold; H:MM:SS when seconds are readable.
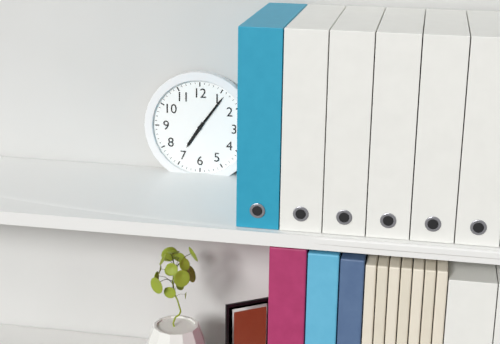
**7:06**
